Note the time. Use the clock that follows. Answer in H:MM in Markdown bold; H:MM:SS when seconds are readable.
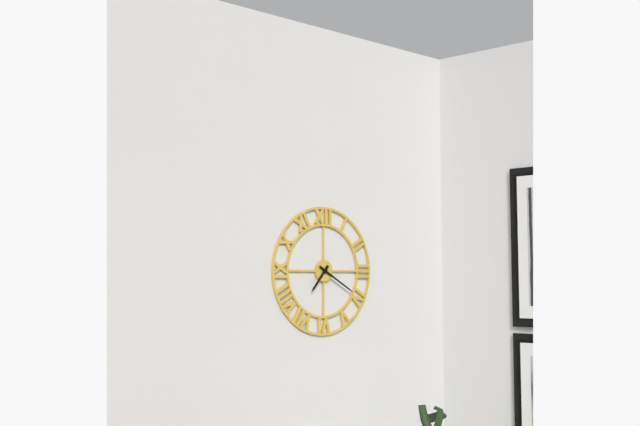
**7:20**
